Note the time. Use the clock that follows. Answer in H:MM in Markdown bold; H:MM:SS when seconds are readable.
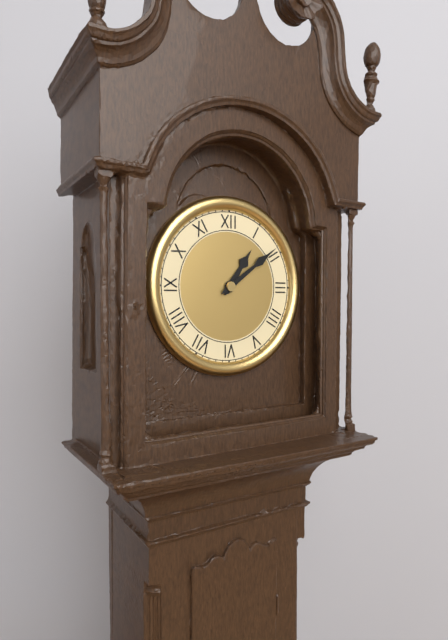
**1:09**
